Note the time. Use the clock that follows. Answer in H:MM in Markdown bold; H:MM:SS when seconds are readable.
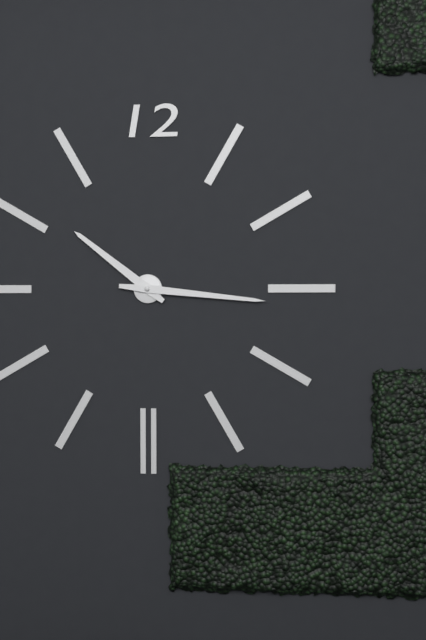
**10:16**
